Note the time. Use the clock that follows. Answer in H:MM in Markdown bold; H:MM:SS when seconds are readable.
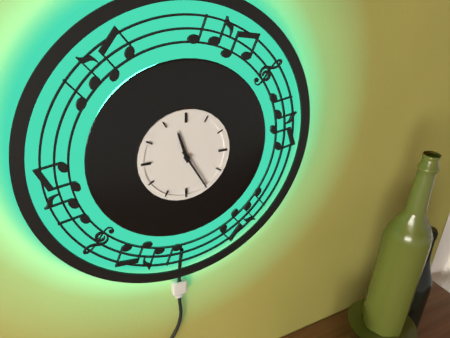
**11:25**
